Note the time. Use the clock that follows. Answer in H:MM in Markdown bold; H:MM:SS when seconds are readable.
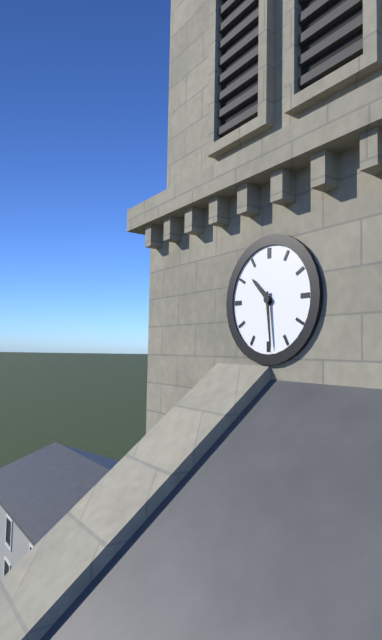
**10:29**
